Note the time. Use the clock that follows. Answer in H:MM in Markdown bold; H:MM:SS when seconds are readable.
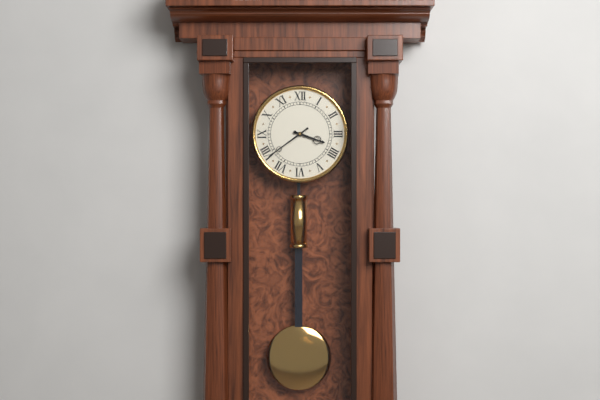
**3:39**
